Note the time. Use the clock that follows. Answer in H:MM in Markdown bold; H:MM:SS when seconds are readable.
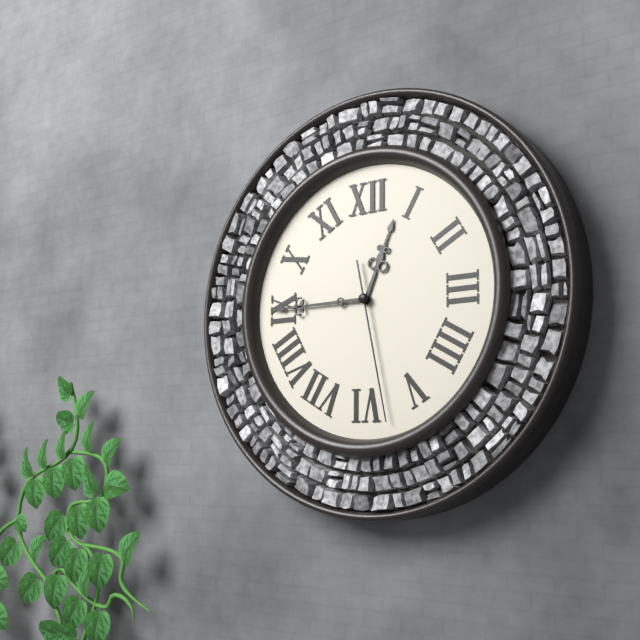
**12:45:28**
